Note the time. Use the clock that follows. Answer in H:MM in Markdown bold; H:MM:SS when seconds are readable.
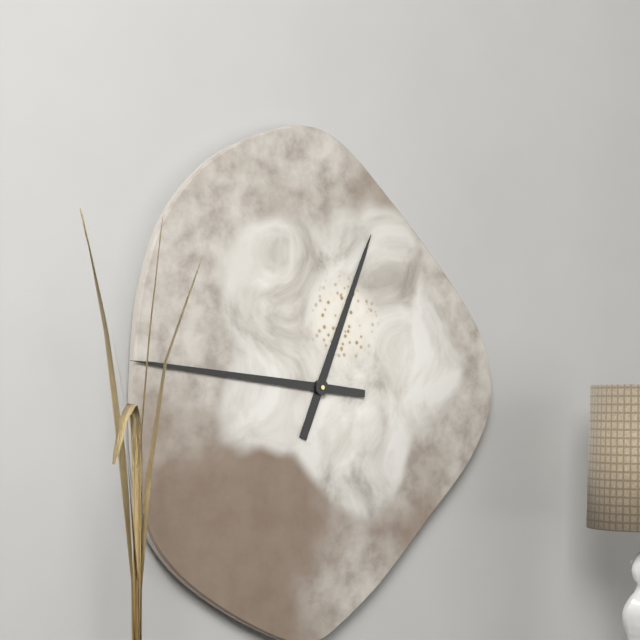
**12:46**
